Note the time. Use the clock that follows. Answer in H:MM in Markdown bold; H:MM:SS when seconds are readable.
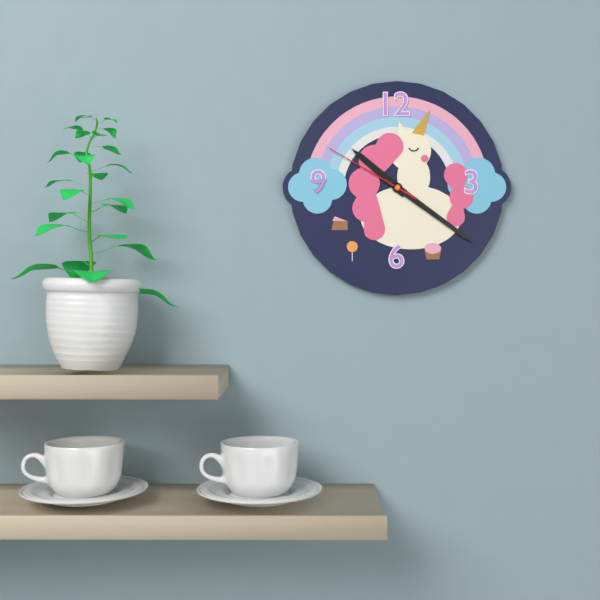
**10:21:50**
